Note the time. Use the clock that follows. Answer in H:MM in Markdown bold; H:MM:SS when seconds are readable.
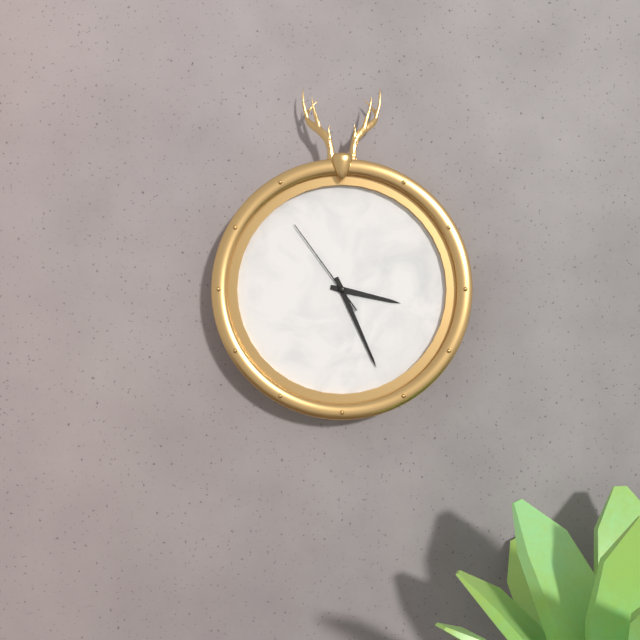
**3:26:54**
